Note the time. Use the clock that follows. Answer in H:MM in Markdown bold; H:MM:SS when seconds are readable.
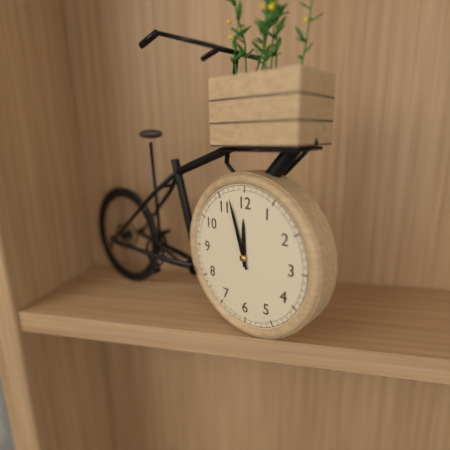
**11:57**
